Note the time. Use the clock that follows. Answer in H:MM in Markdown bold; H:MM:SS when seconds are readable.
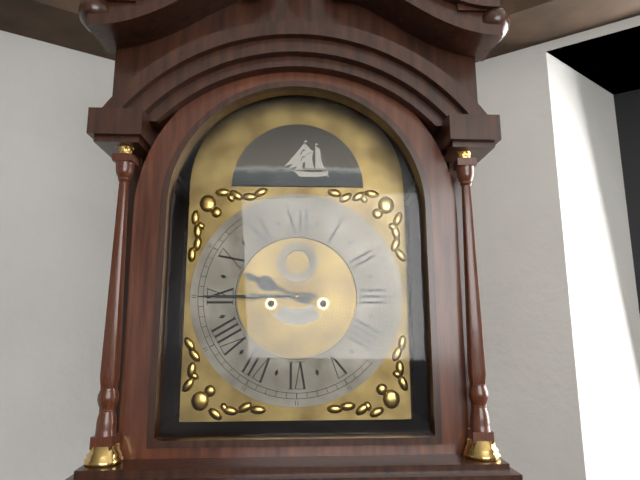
**9:45**
